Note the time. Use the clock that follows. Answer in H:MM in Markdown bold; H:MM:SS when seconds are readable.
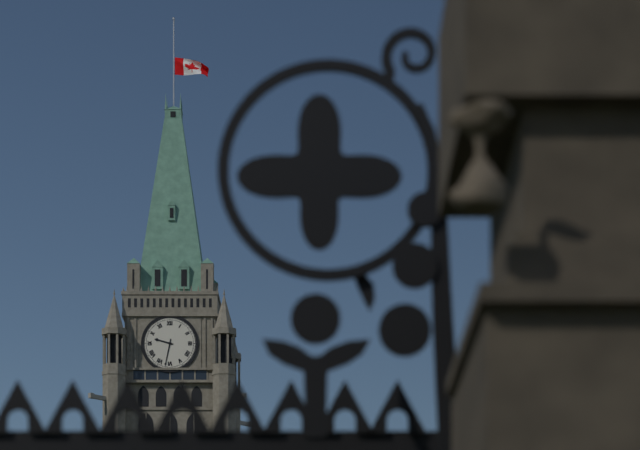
**9:32**
